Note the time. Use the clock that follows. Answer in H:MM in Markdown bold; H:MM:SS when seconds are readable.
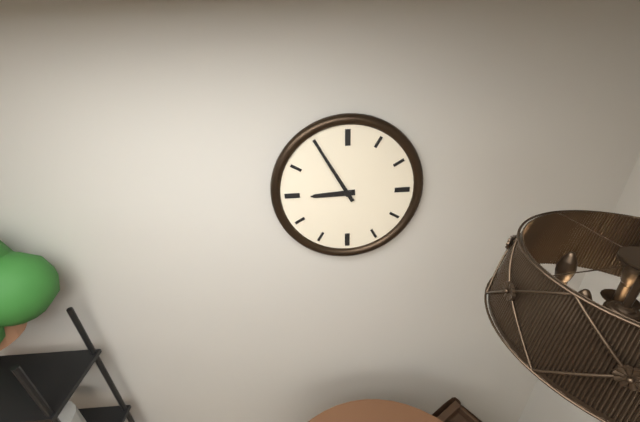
**8:55**
